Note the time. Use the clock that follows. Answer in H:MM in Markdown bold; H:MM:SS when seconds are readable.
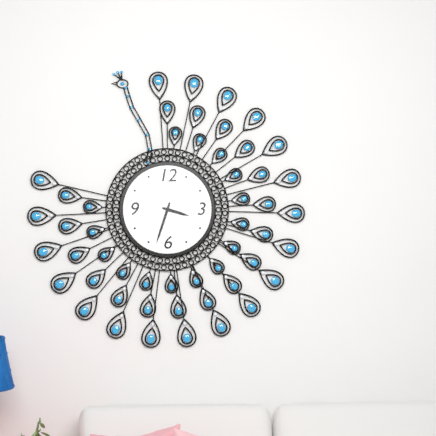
**3:33**
